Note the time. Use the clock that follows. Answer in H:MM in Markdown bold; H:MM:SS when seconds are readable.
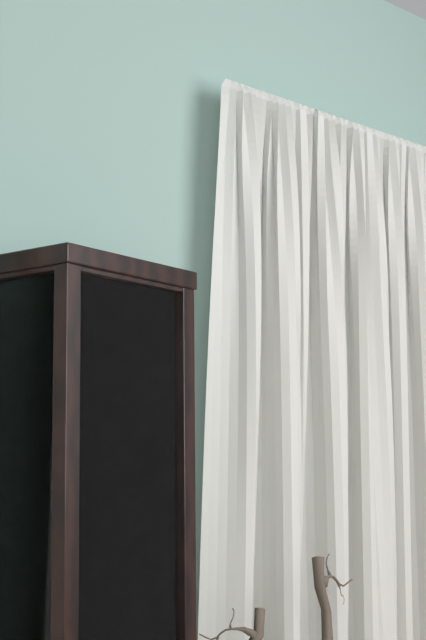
**3:57**
